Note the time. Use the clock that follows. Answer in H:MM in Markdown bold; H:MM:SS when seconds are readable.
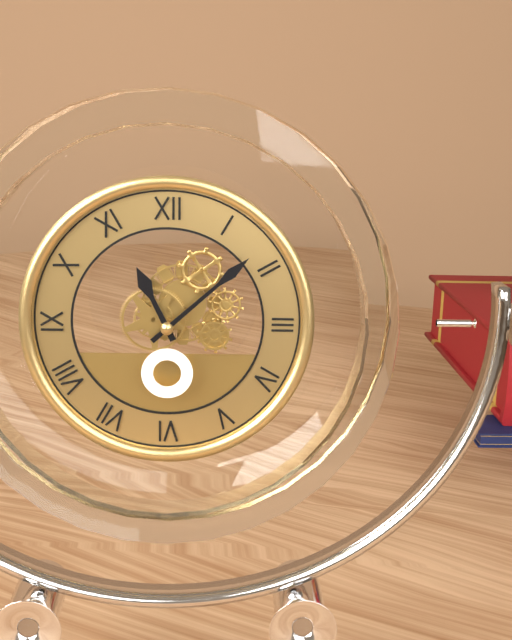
**11:08**
